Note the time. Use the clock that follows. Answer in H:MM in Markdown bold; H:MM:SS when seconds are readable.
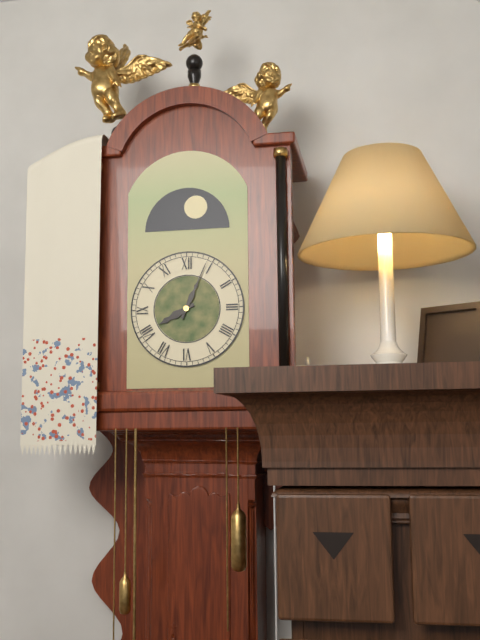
**8:04**
